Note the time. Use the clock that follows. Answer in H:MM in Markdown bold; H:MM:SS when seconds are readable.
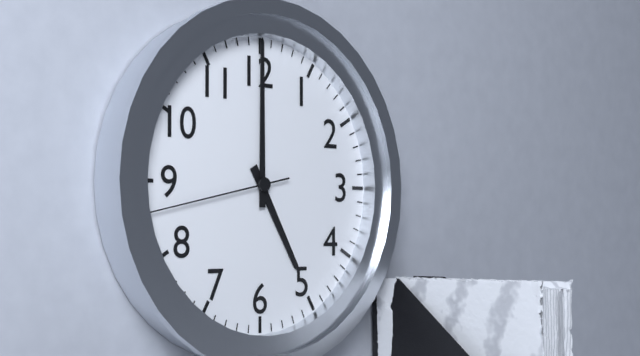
**5:00:43**
